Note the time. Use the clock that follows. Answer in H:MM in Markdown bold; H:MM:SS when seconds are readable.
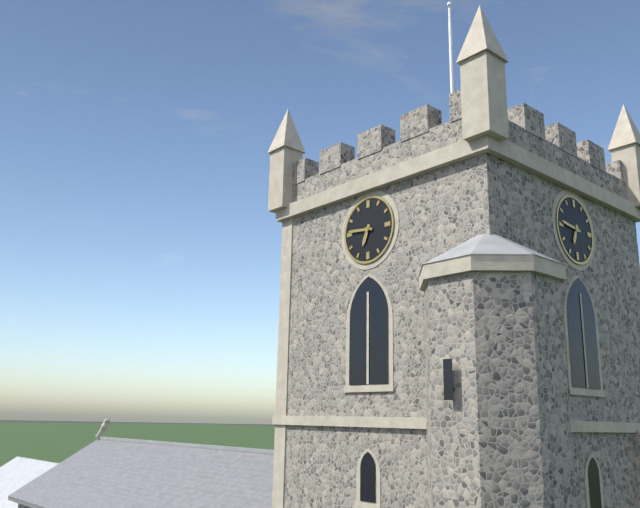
**6:46**
